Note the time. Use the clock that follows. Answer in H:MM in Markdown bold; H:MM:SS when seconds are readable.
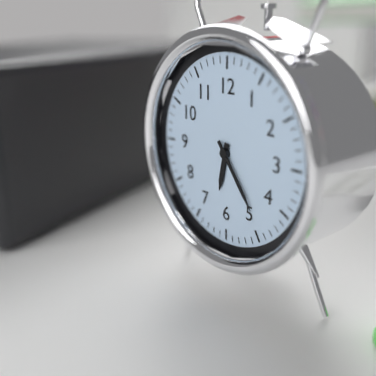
**6:24**
